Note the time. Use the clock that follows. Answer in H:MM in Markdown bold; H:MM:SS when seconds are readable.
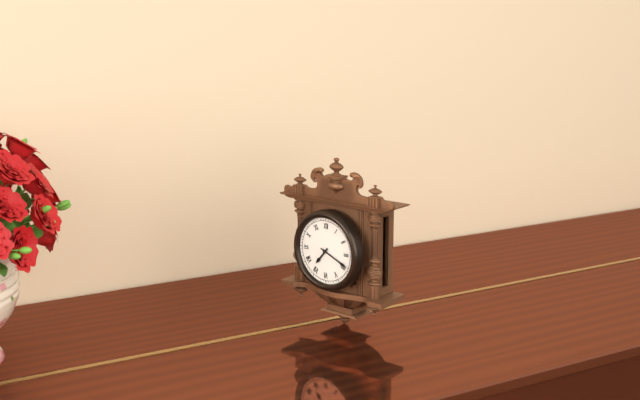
**7:19**
